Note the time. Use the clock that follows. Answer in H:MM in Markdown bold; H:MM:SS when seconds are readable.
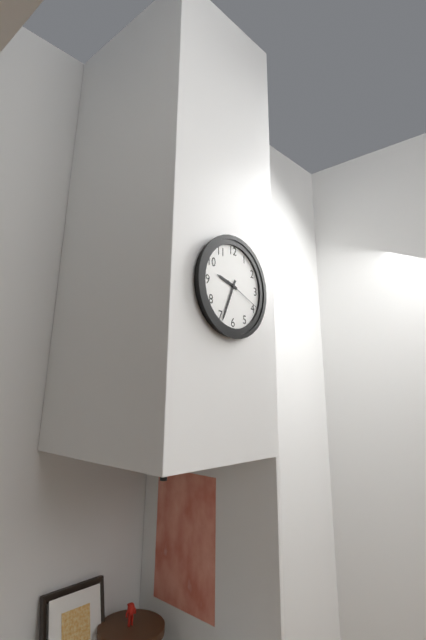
**9:34**
